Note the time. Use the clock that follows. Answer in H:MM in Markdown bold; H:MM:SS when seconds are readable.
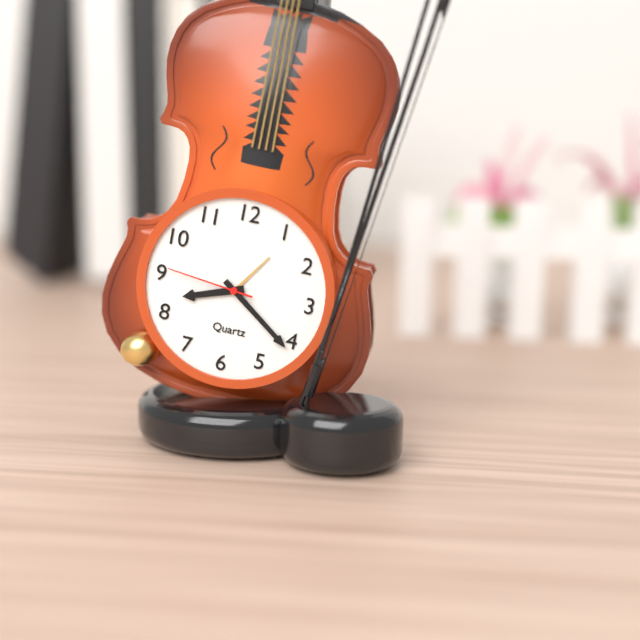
**8:21:46**
